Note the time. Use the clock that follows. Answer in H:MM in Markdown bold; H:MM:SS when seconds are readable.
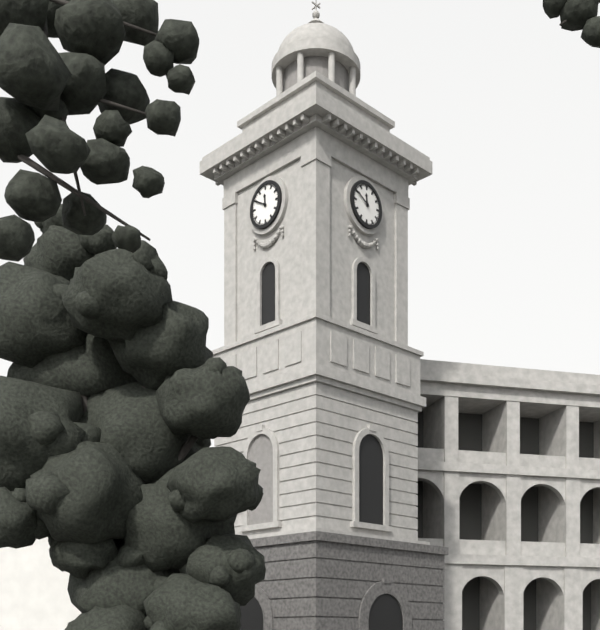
**11:50**
